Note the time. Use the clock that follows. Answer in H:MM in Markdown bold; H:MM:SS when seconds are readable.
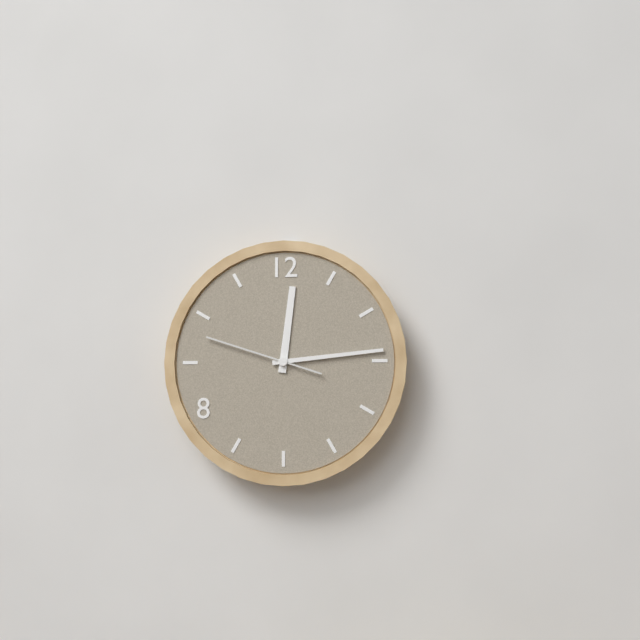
**12:14:48**
